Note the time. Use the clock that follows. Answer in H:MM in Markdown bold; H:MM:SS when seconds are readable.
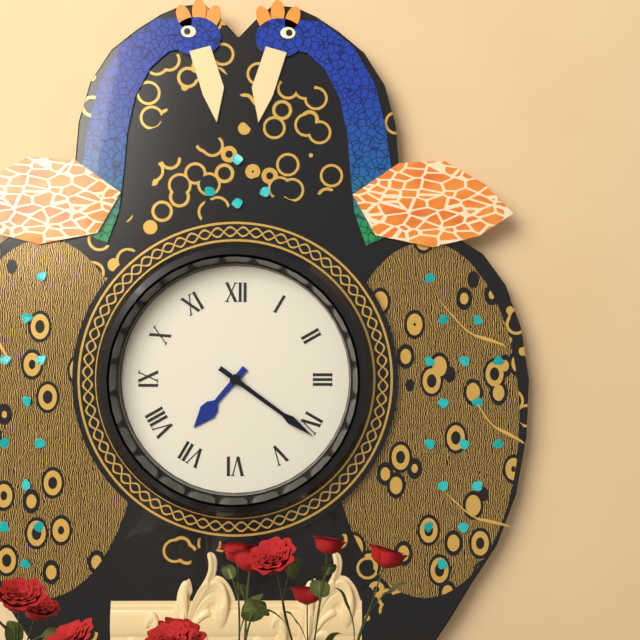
**7:21**
